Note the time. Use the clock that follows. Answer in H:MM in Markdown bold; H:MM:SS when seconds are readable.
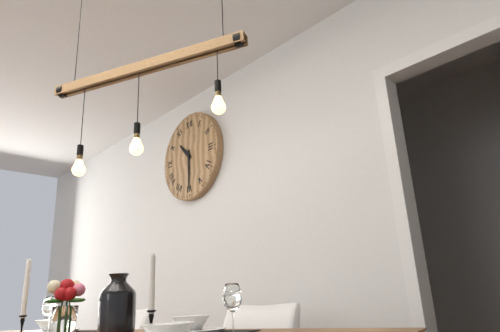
**10:30**
